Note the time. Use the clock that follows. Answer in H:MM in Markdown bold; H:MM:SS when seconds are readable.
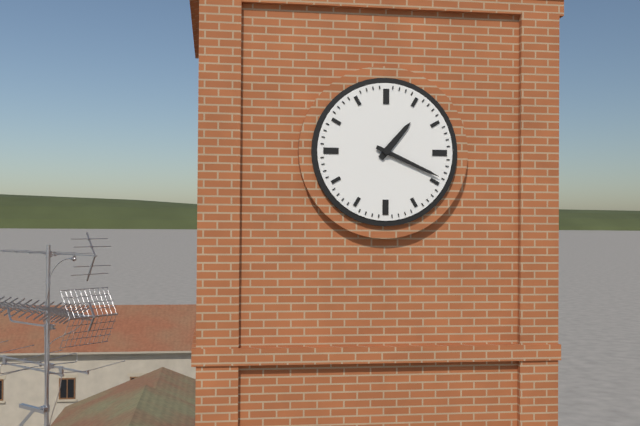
**1:19**
